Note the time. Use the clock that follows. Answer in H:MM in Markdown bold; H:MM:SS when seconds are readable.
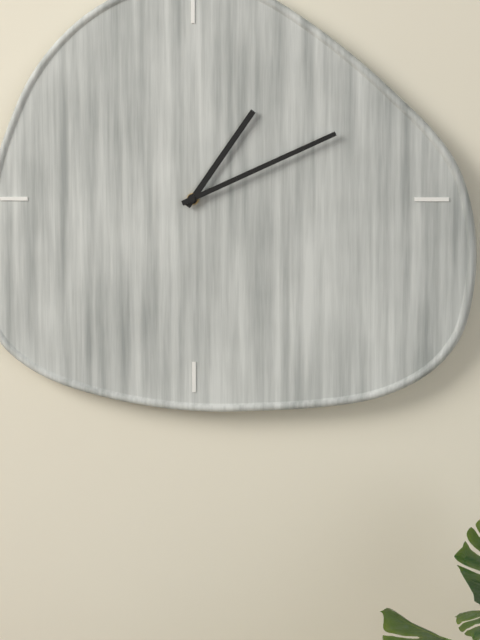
**1:11**
